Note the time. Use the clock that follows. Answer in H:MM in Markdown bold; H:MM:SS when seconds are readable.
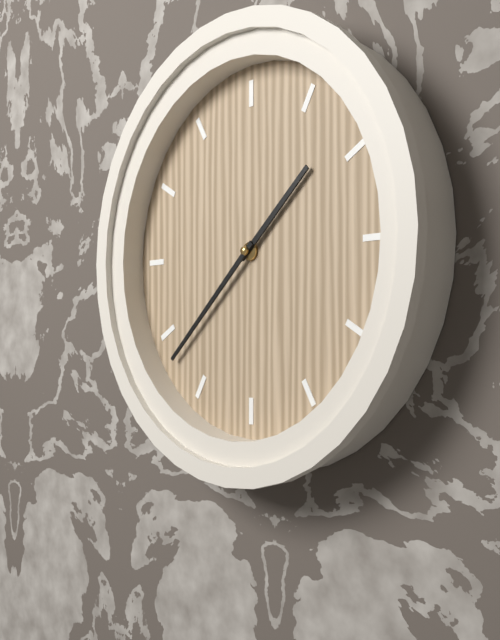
**1:38**
